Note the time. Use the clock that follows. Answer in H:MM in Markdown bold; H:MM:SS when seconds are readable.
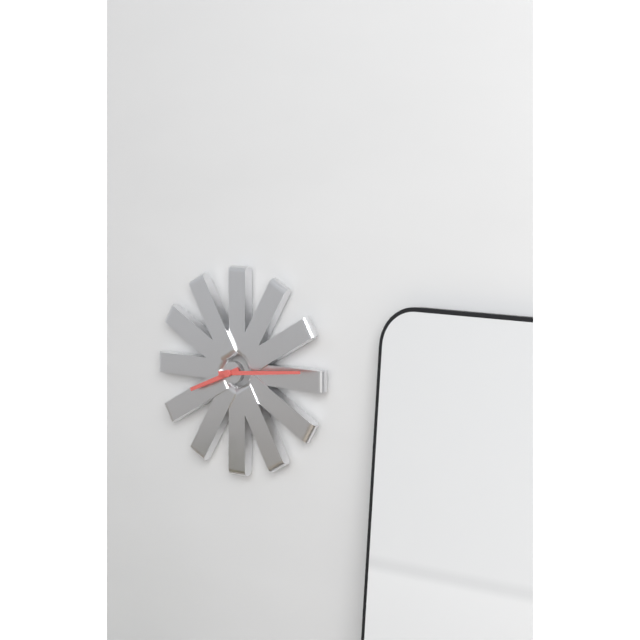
**8:14**
